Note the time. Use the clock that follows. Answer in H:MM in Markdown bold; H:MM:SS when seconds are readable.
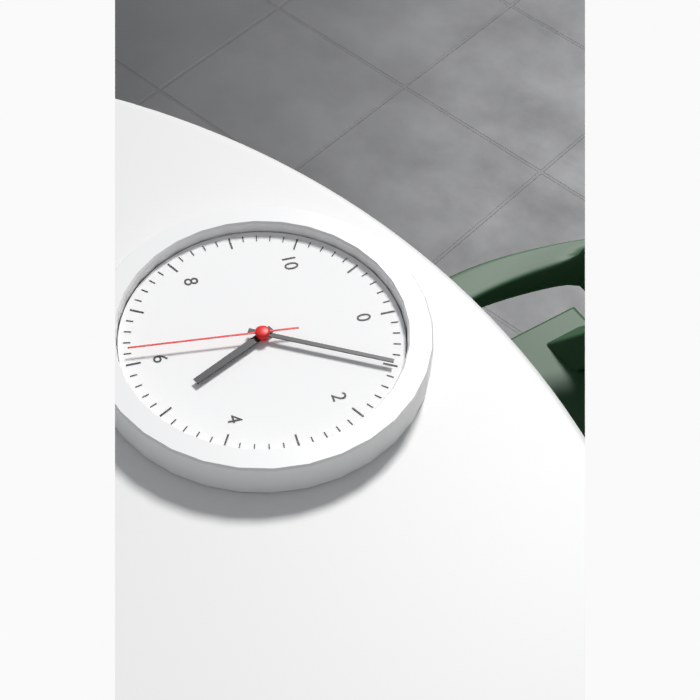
**5:05:31**
